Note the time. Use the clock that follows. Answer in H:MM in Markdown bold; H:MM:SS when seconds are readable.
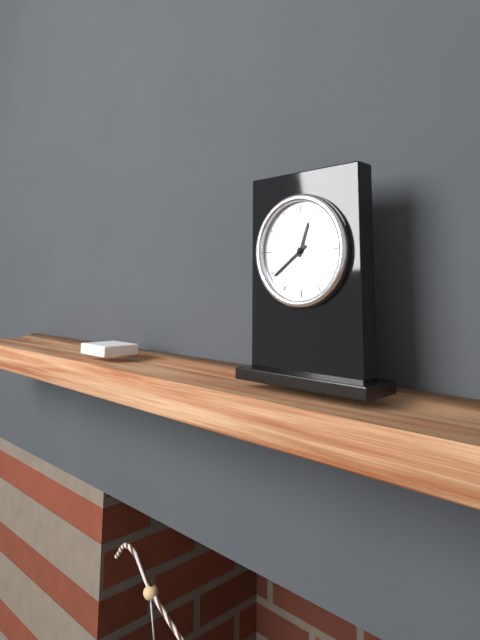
**12:39**
